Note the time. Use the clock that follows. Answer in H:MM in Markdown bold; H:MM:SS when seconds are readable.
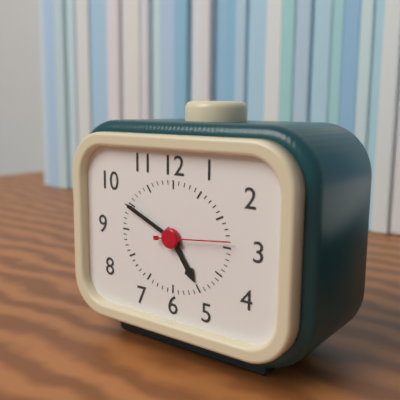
**4:49:14**
